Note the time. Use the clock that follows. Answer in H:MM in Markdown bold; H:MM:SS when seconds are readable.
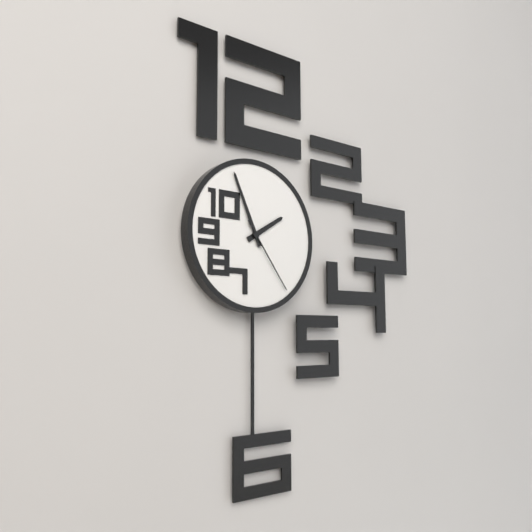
**1:56:24**
